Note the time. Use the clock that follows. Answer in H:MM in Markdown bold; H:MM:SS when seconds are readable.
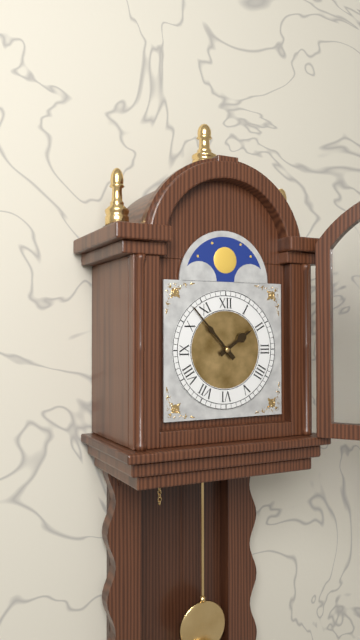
**1:53**
